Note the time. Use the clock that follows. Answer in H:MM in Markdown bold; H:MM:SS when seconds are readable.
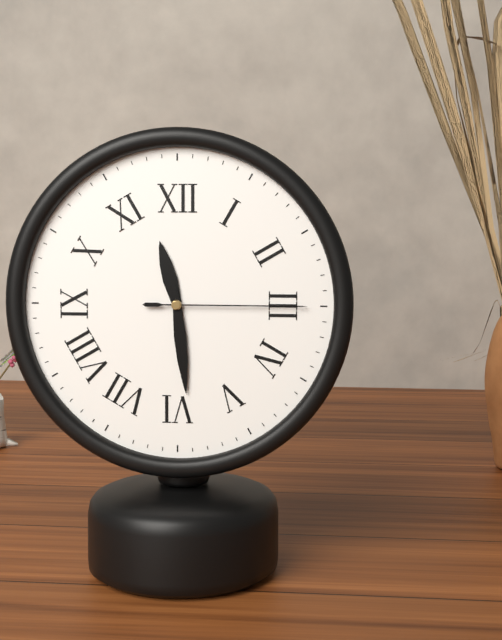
**11:29:15**
